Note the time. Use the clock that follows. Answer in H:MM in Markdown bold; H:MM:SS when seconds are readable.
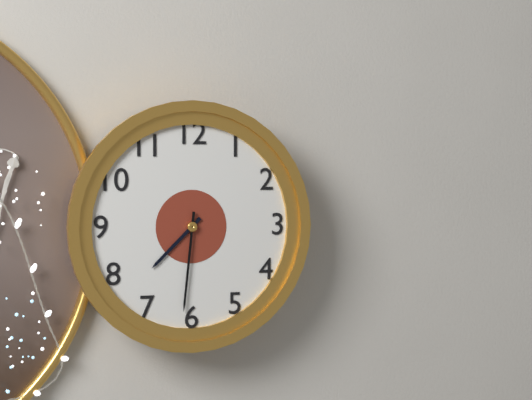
**7:31**
